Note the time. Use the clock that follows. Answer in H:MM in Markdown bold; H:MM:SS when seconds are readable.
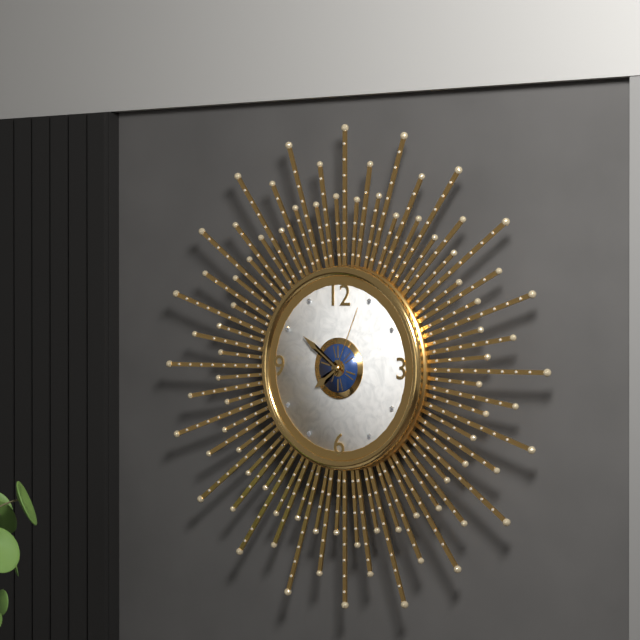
**7:51:04**
